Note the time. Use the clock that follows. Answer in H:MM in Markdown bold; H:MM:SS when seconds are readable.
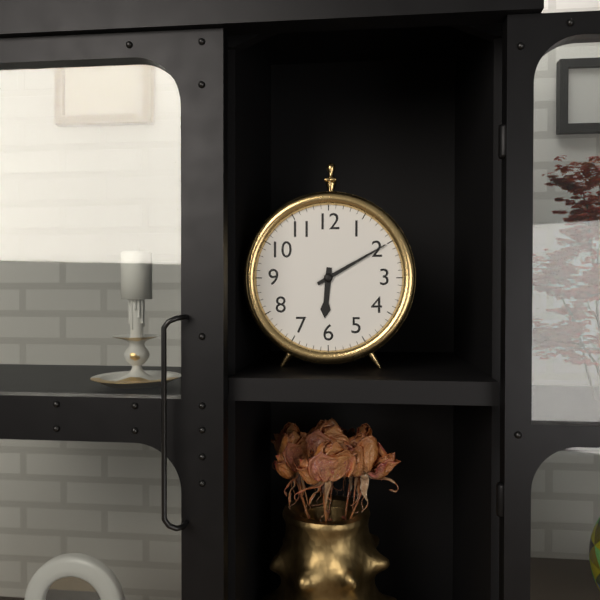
**6:10**
